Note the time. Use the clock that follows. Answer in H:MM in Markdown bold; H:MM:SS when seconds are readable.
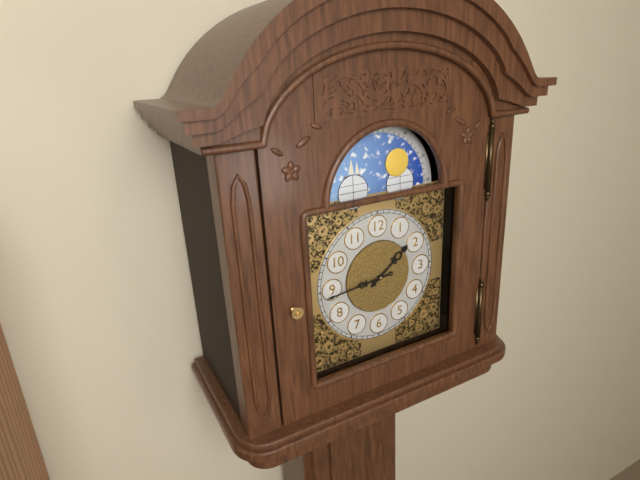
**1:44**
